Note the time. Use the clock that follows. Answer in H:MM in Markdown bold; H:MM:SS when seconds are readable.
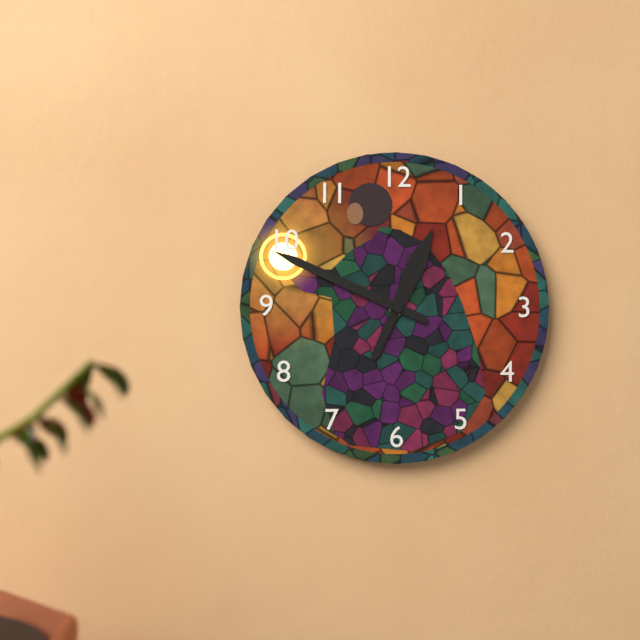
**12:49**
